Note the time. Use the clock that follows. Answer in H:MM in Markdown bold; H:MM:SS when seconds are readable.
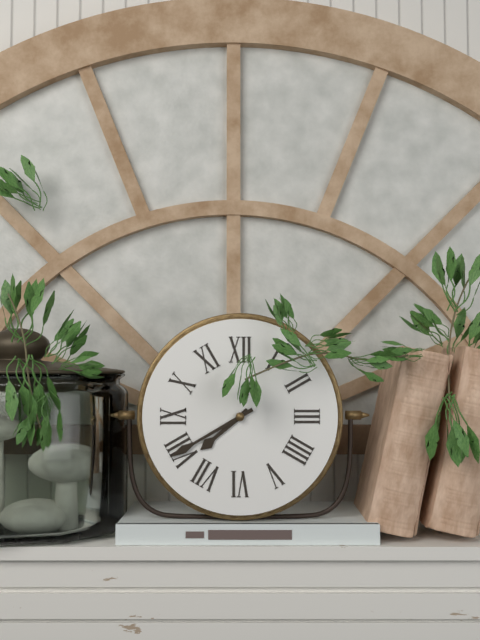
**7:40**
